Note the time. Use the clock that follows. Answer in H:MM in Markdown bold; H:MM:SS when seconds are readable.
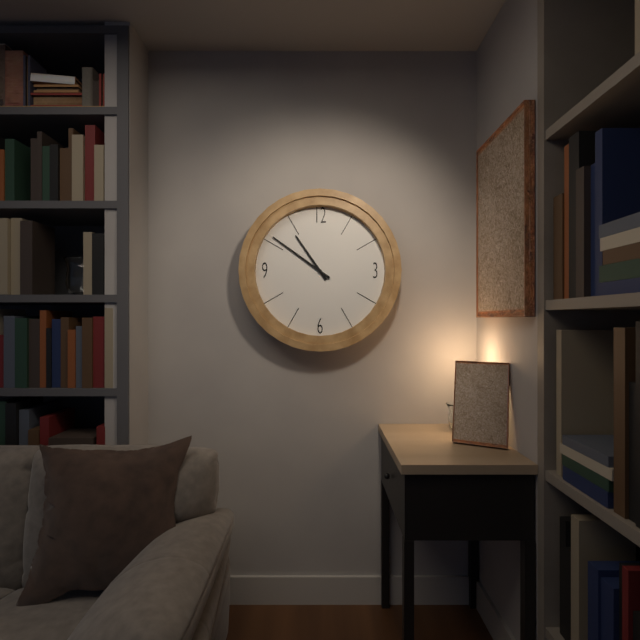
**10:51**
